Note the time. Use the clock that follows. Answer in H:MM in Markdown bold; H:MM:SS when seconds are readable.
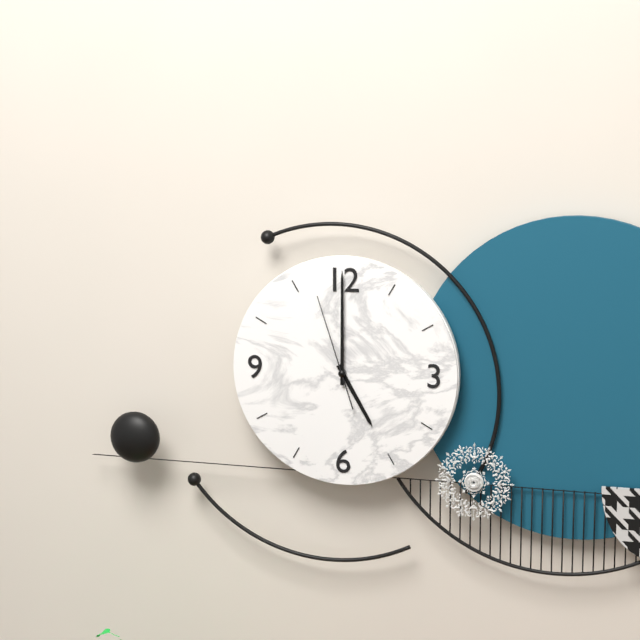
**5:00:57**
